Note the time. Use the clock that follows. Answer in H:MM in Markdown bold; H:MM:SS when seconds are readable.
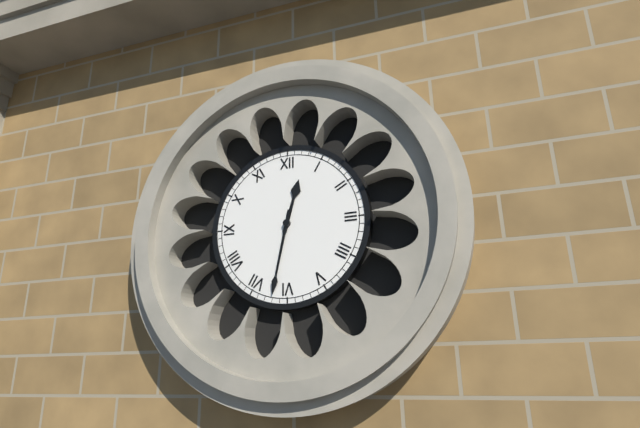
**12:32**
